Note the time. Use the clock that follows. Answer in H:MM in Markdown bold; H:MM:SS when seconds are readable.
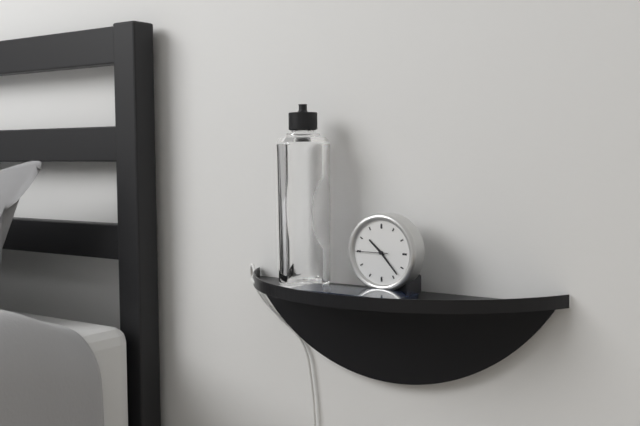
**10:23**
